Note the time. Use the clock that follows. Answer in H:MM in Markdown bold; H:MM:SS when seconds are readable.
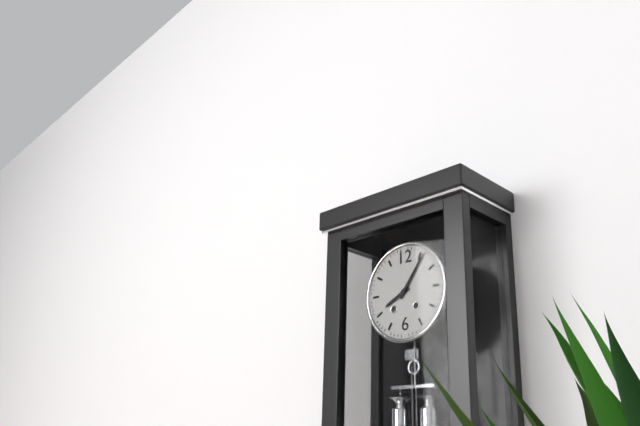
**8:06**
